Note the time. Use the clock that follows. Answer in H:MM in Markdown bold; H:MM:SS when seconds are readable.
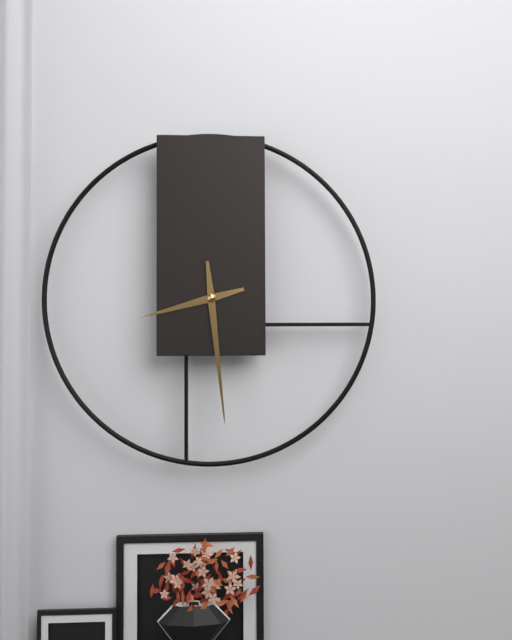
**8:29**
